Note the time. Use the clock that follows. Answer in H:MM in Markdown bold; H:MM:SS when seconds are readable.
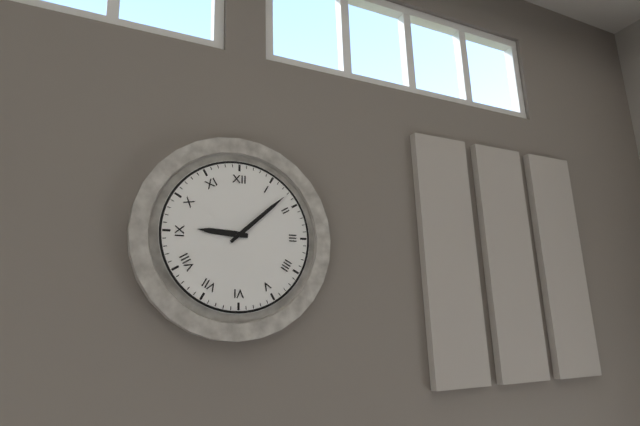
**9:08**
